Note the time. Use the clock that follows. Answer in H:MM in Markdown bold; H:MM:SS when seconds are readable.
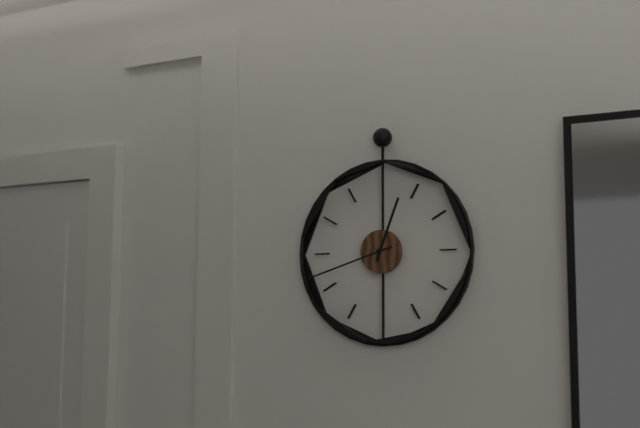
**12:42**
